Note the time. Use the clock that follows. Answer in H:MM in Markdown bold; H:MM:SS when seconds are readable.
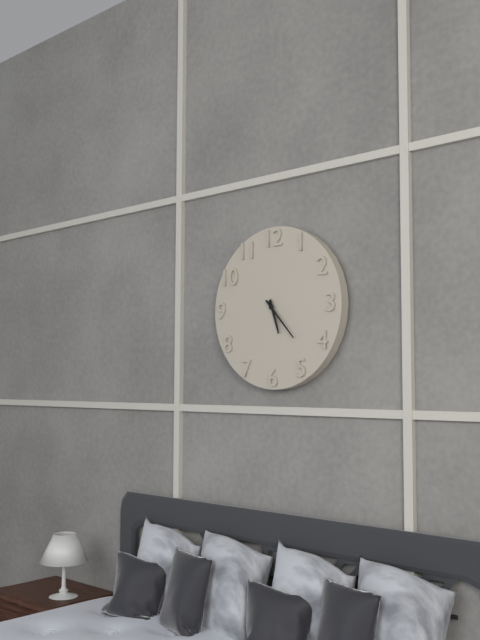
**5:23**
